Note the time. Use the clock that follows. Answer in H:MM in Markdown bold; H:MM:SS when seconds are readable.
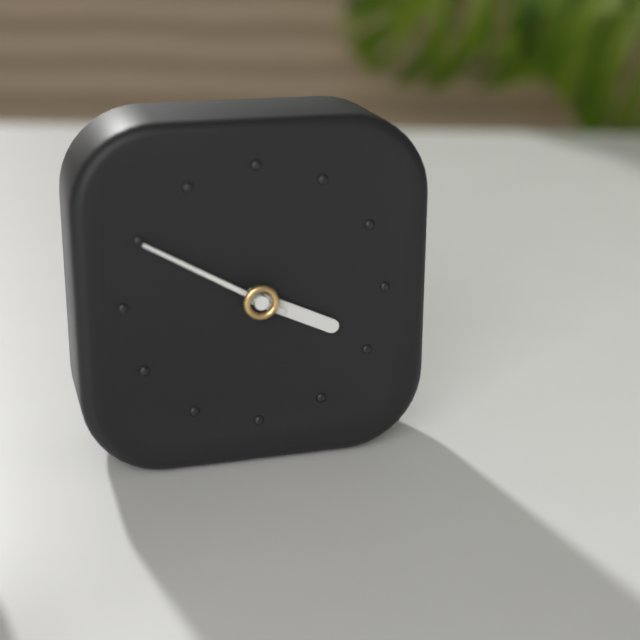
**3:50**
